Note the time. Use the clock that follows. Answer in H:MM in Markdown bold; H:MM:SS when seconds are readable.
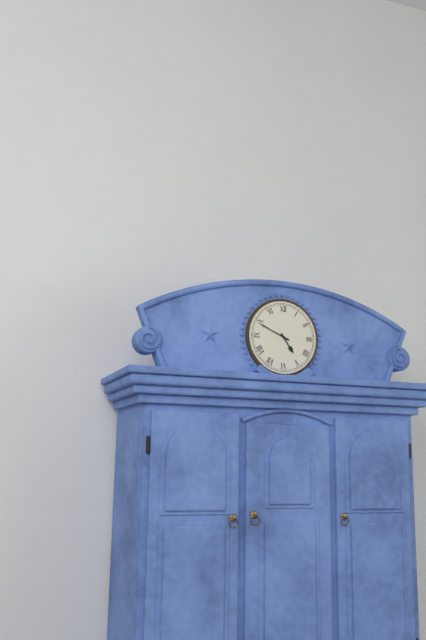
**4:49**
